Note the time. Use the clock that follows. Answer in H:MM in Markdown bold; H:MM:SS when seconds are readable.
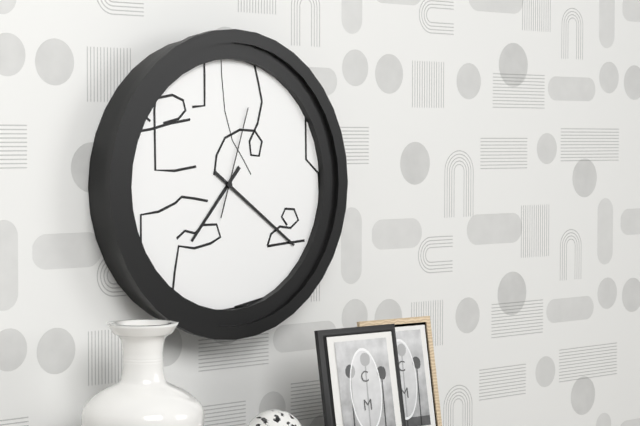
**7:21:03**
